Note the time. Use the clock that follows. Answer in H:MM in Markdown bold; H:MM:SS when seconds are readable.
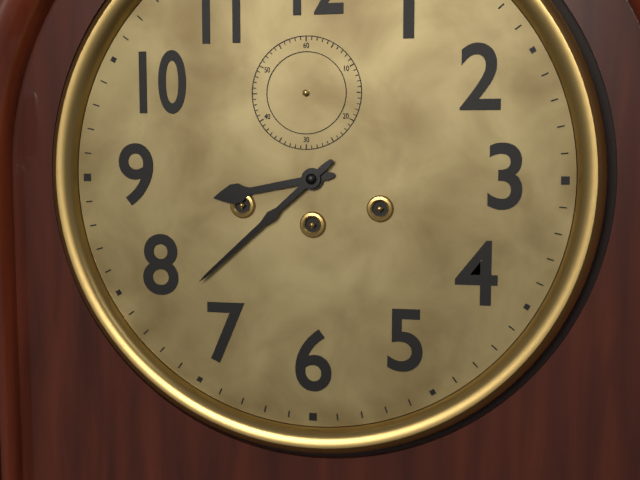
**8:38**
